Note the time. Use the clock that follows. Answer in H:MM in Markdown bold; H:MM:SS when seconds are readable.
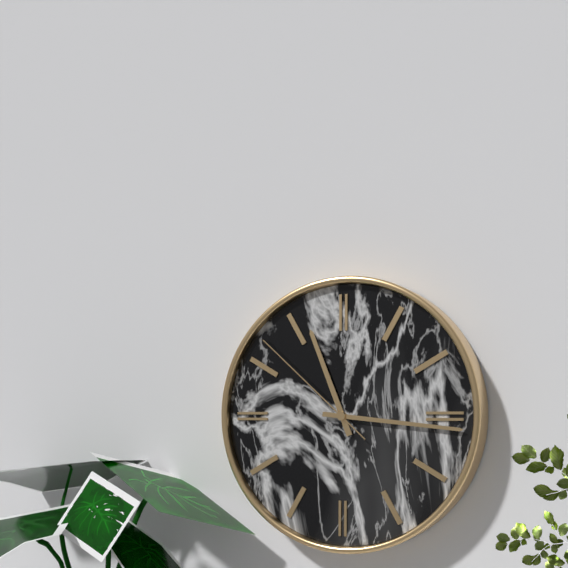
**11:16:52**
